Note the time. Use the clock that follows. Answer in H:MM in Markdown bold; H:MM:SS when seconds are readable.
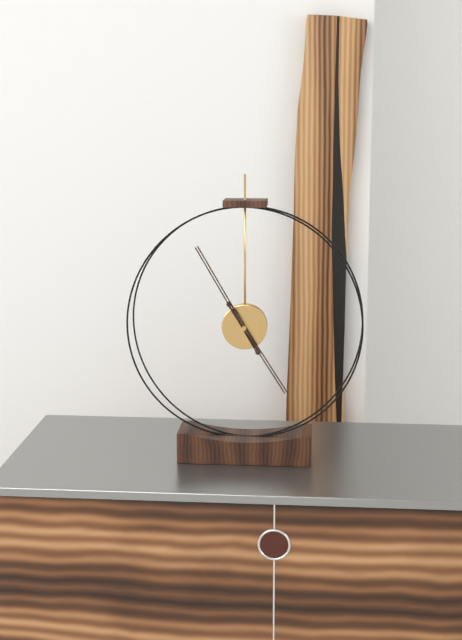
**4:55**
